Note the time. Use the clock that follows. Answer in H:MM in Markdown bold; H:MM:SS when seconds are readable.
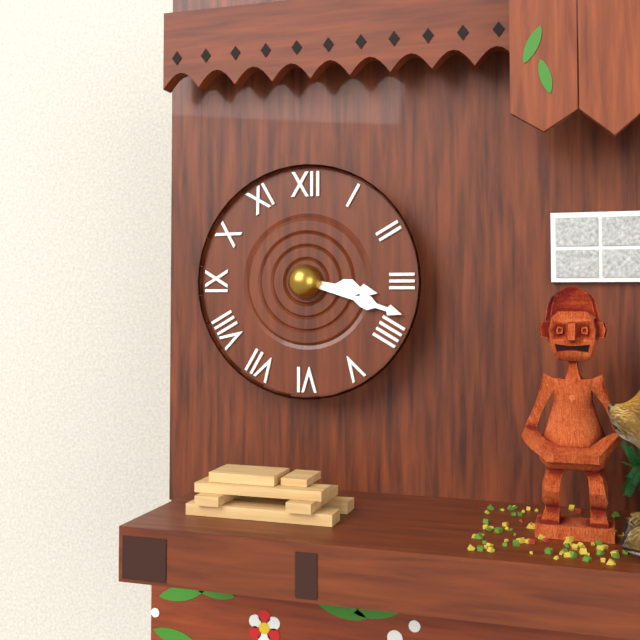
**3:18**
